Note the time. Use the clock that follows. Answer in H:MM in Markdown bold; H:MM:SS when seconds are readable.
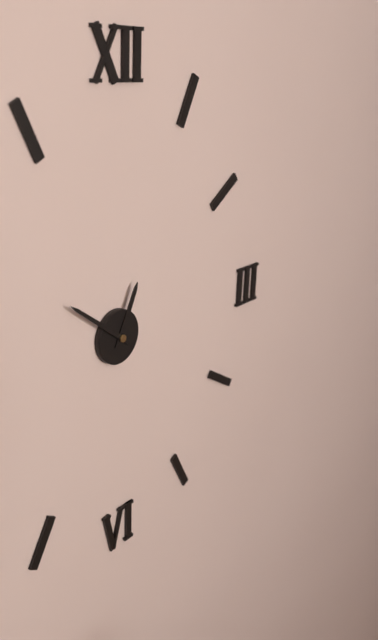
**12:51**
